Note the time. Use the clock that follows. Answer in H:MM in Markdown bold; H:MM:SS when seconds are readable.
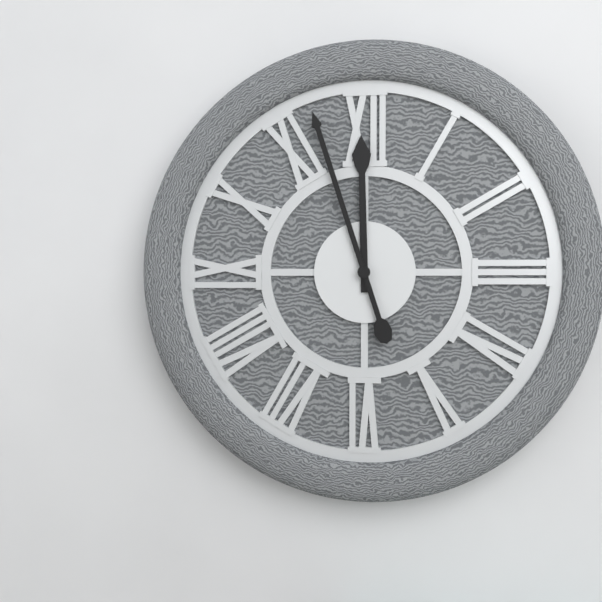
**11:57**
